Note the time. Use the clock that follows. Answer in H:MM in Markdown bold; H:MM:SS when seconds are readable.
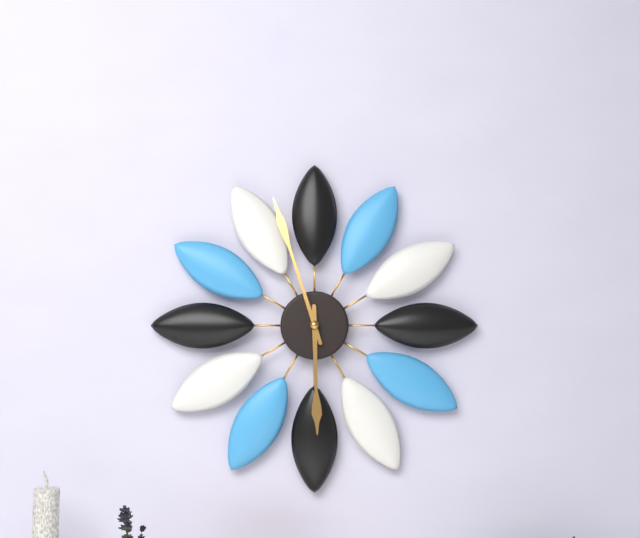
**5:57**
